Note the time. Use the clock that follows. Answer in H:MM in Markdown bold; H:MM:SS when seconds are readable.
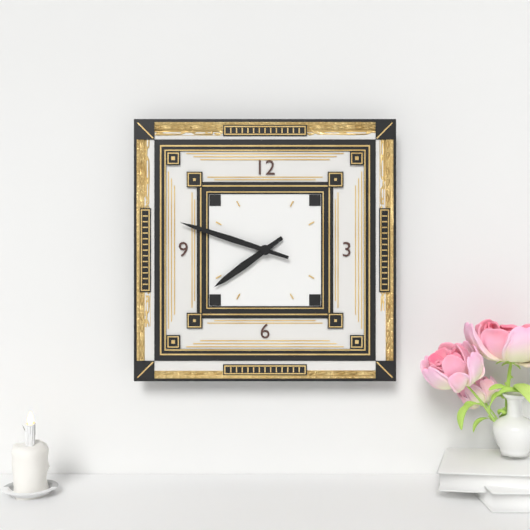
**7:48**
